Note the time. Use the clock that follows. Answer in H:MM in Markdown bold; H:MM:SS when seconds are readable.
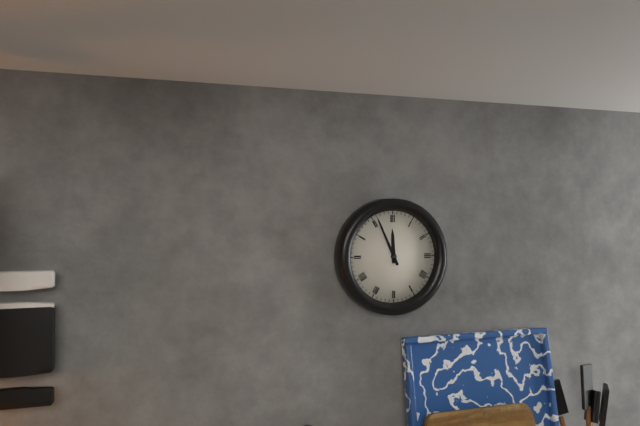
**11:56**
